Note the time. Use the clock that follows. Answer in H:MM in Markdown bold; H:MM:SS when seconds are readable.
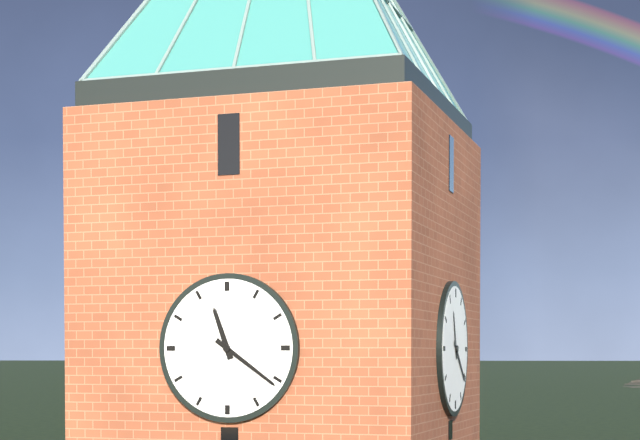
**11:21**
